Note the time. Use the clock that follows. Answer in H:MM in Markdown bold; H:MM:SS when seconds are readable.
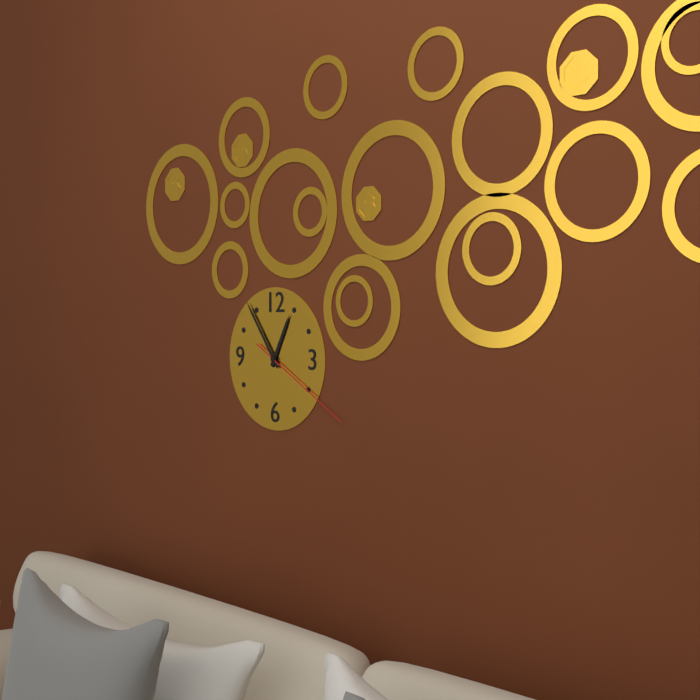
**12:54:20**
